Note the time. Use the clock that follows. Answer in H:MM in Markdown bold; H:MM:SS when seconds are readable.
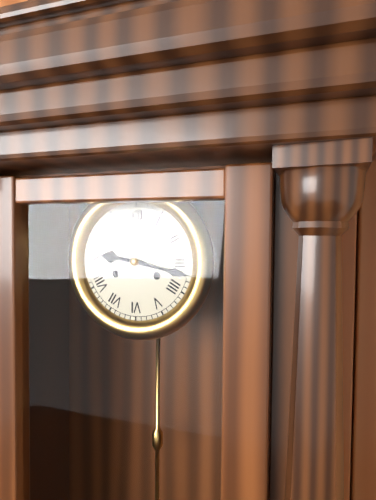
**9:17**
